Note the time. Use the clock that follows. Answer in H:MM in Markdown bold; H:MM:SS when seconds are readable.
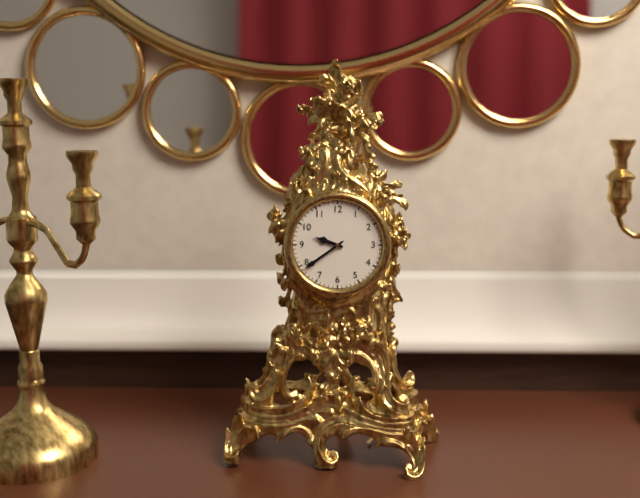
**9:39**
